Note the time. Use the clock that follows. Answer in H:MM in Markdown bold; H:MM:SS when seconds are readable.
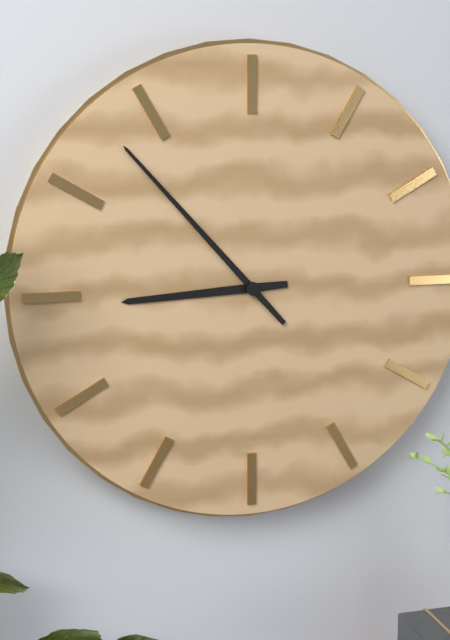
**8:53**
